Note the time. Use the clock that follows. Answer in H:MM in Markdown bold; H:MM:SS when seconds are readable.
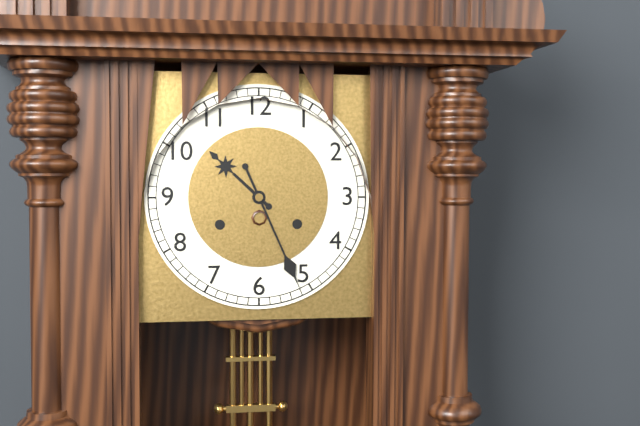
**10:26**
